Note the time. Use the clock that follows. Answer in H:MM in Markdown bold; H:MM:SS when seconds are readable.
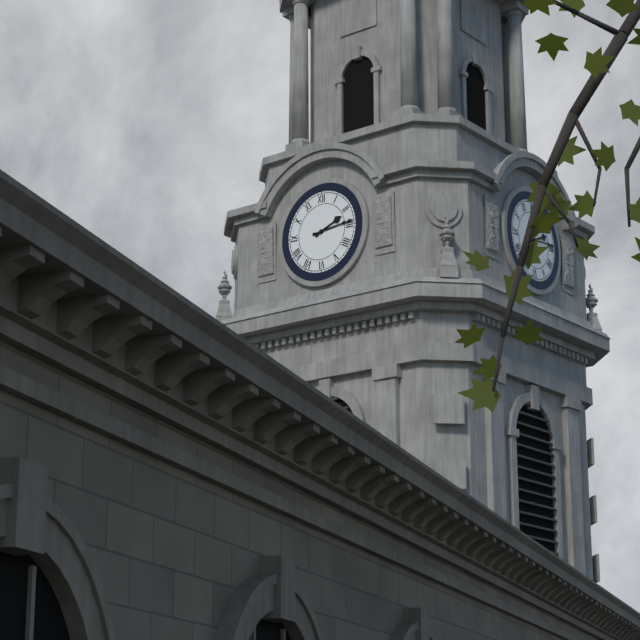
**2:14**
